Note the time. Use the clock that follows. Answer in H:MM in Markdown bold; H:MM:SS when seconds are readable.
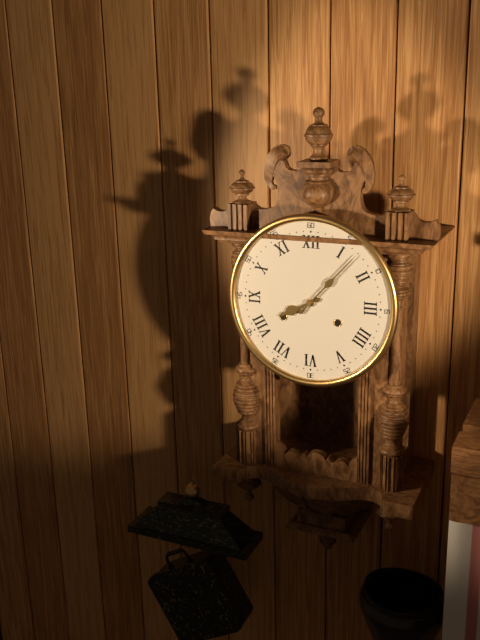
**8:07**
